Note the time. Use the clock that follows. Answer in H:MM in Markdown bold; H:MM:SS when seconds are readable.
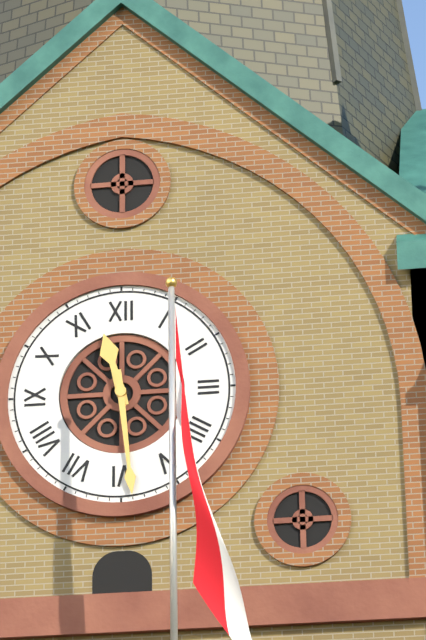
**11:29**
